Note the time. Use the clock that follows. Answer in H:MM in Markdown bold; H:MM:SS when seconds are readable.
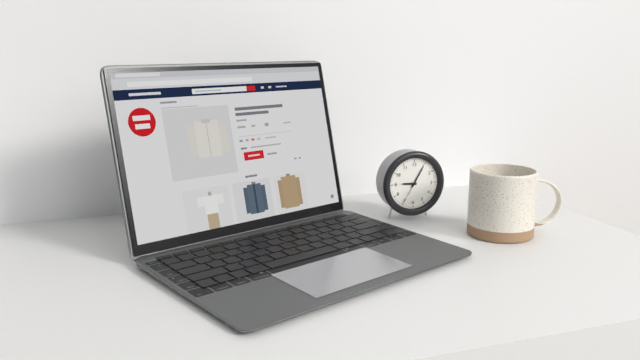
**9:05**
